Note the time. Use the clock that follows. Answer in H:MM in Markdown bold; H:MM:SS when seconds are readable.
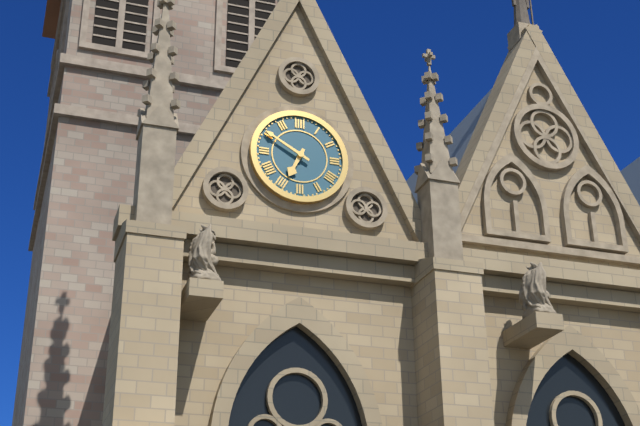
**6:50**
